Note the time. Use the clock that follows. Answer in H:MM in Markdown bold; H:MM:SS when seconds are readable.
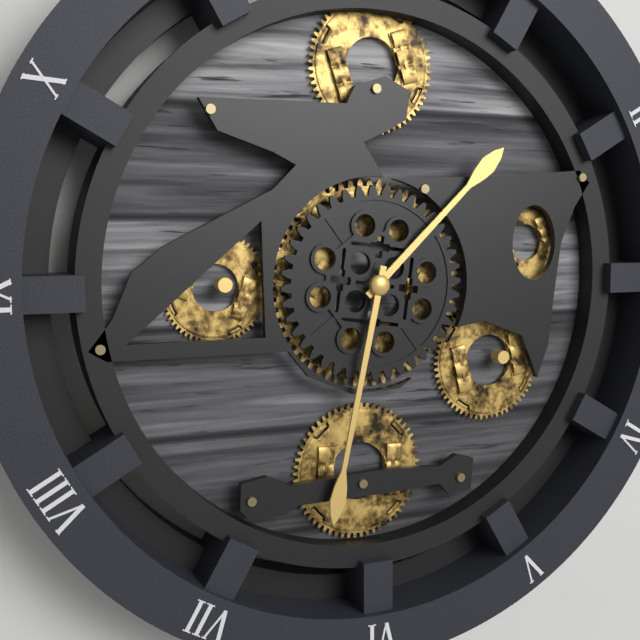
**1:32**
